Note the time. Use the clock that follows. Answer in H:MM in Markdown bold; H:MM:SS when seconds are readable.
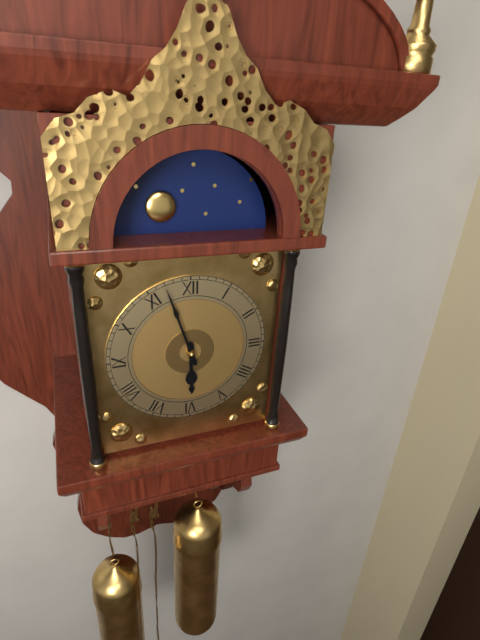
**5:57**
